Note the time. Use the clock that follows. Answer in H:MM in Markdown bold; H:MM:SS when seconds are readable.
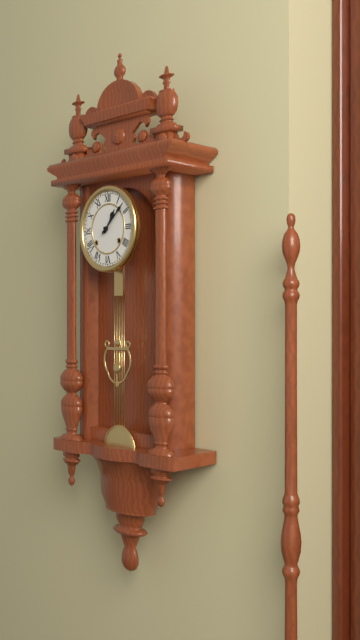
**1:08**
